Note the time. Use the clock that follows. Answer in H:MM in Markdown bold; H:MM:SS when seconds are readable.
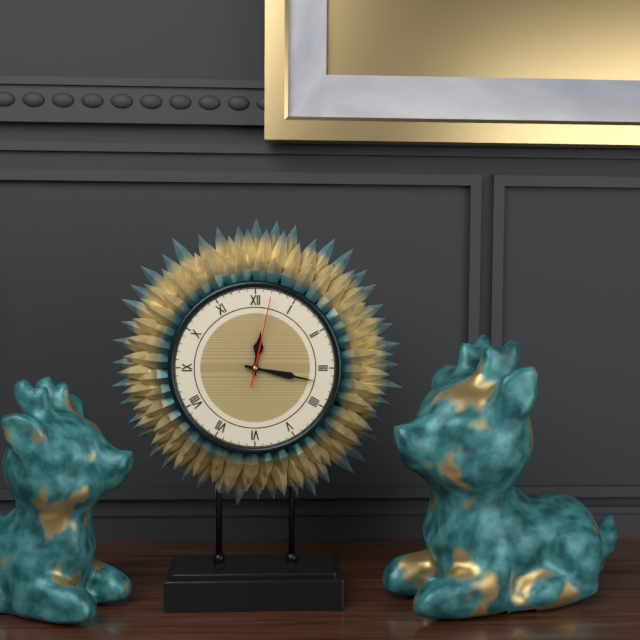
**12:17:02**
